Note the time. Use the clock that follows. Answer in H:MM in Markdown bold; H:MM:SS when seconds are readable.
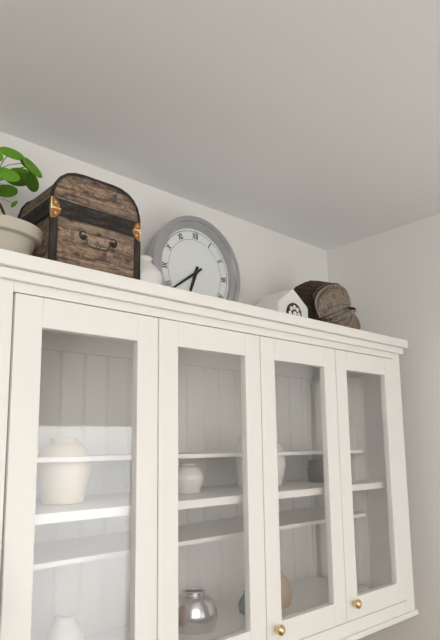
**6:39**
